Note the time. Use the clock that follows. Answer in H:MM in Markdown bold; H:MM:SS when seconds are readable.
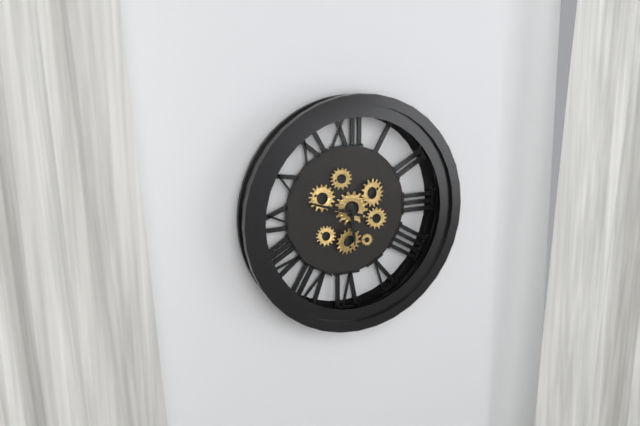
**5:48**
